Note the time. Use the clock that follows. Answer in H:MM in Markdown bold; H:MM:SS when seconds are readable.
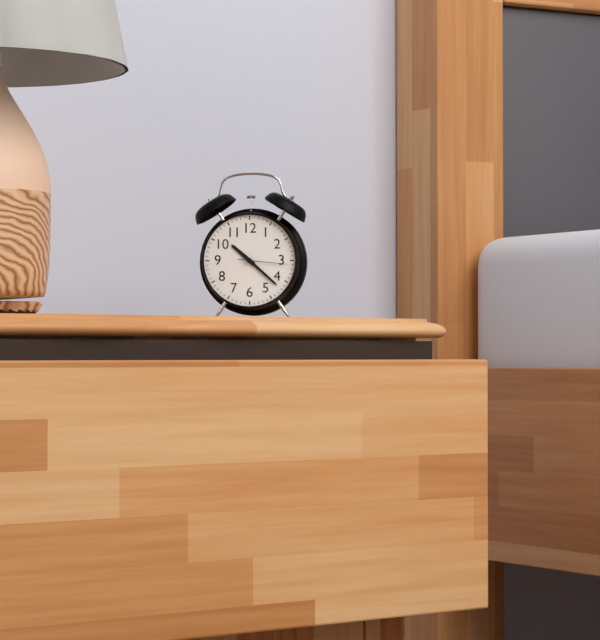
**10:22:16**
